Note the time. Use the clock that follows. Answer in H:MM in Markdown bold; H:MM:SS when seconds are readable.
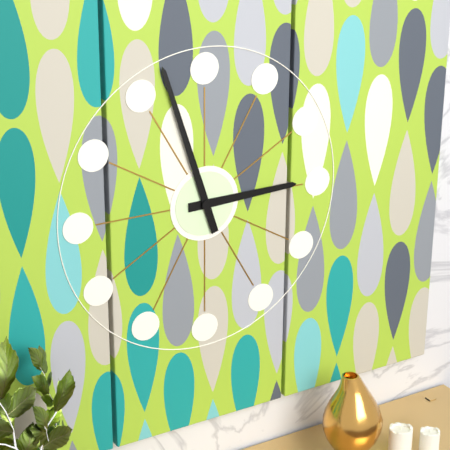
**2:57**
